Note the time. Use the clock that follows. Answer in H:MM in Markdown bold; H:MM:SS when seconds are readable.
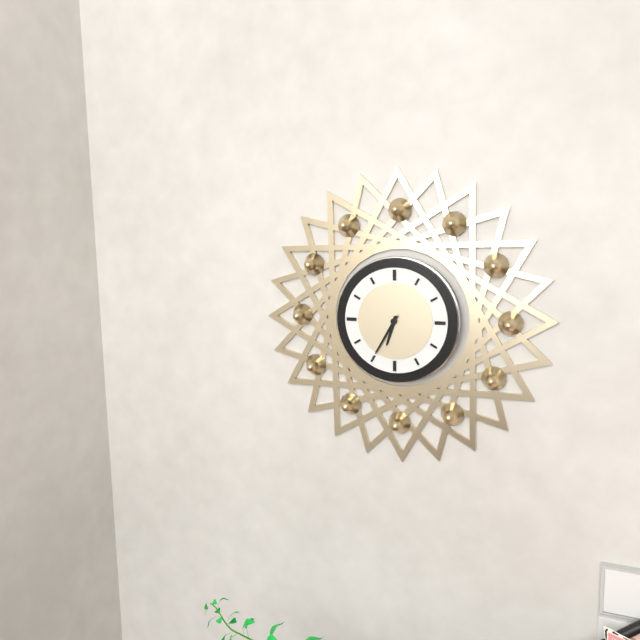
**6:35**
